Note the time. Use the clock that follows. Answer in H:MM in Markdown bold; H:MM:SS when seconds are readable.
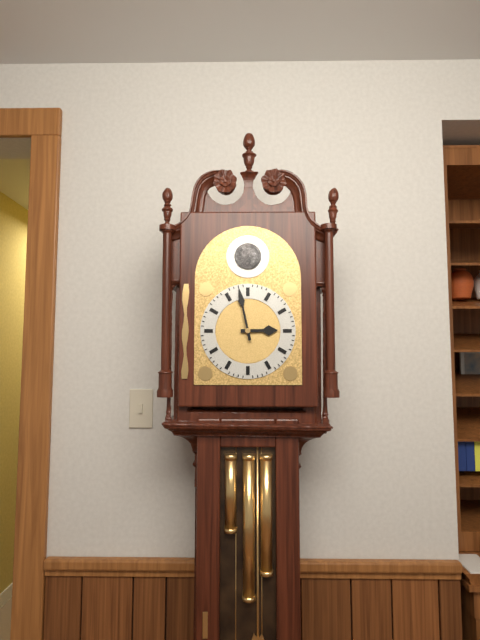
**2:58**
